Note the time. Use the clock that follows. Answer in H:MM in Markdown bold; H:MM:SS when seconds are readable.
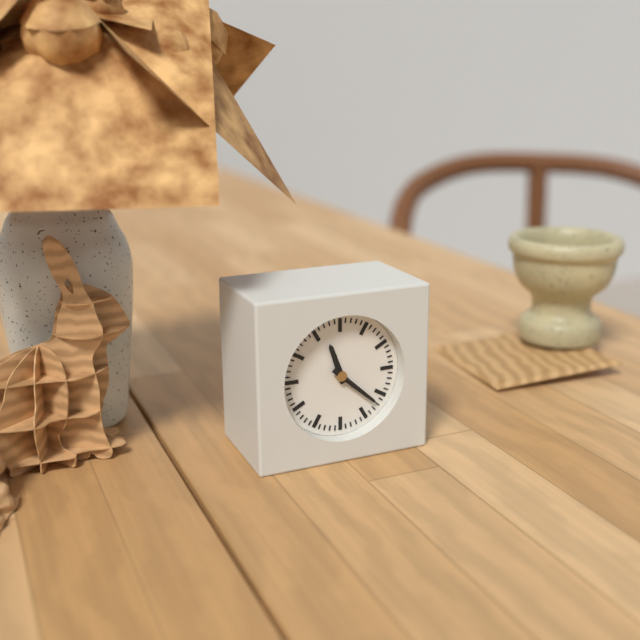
**11:22**
